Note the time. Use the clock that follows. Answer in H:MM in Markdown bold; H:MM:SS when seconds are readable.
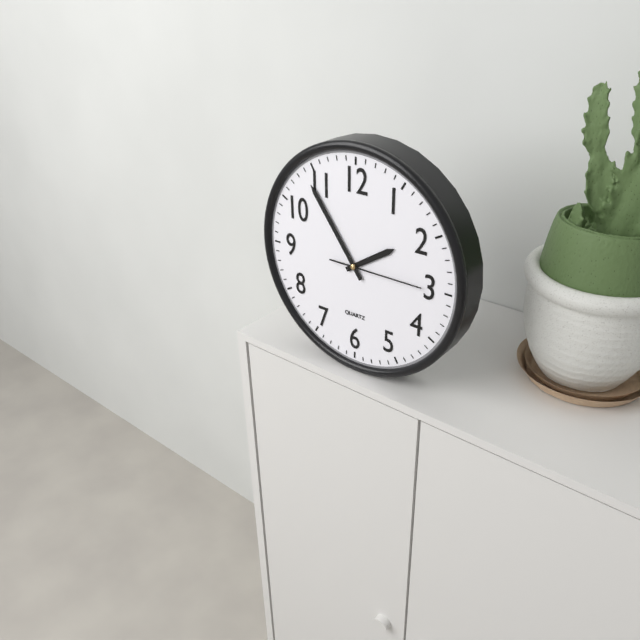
**1:54:15**
